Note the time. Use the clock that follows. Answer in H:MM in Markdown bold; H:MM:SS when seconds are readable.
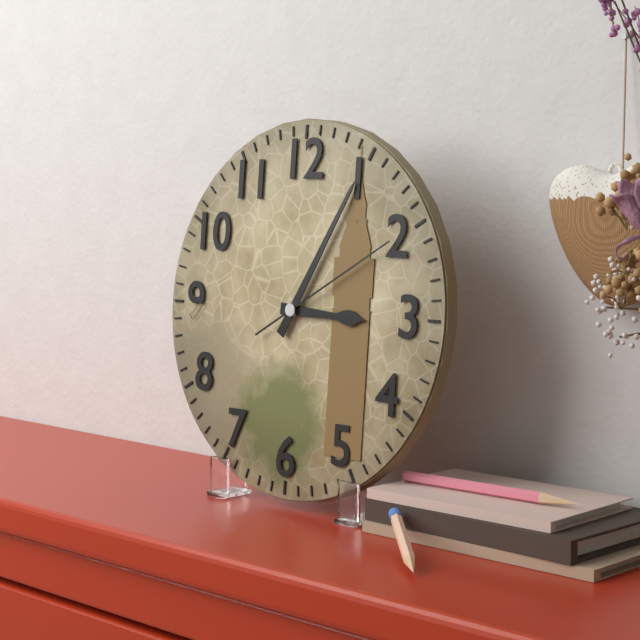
**3:05:10**
